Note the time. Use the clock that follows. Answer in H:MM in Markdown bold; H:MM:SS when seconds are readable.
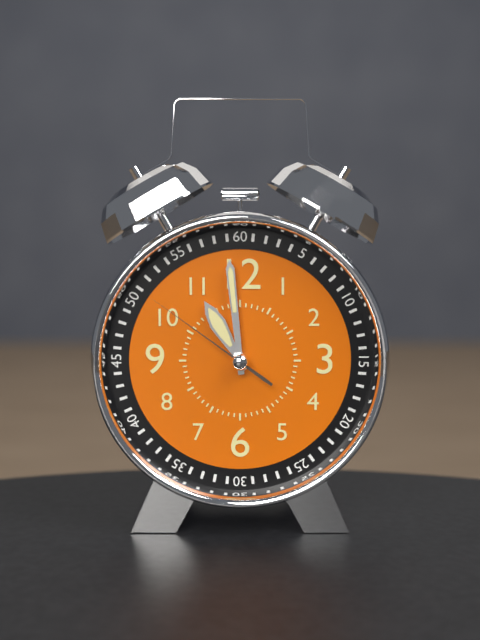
**10:59:51**
